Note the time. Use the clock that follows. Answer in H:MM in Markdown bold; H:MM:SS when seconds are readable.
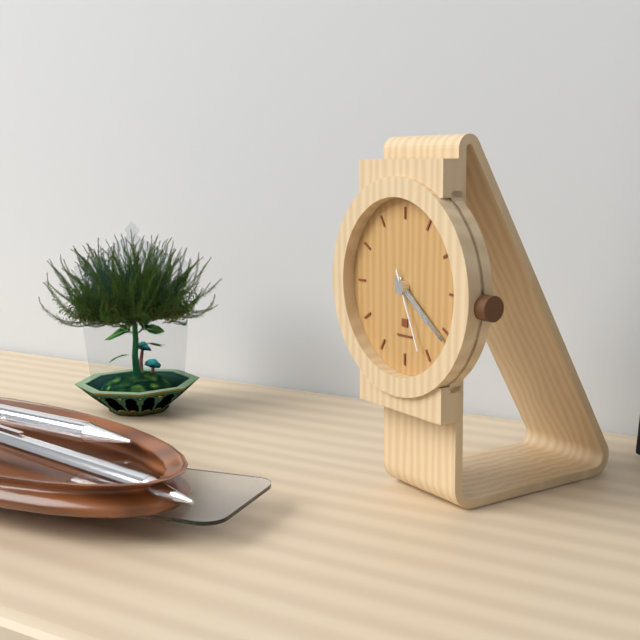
**4:21:26**
